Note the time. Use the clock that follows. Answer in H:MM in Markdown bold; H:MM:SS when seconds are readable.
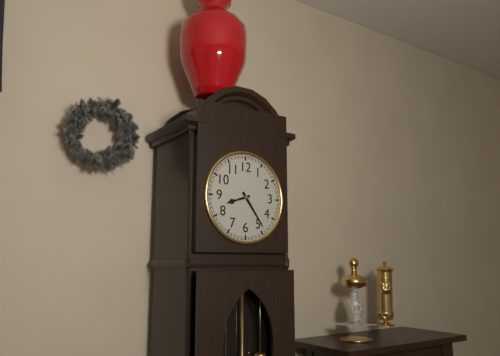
**8:24**
